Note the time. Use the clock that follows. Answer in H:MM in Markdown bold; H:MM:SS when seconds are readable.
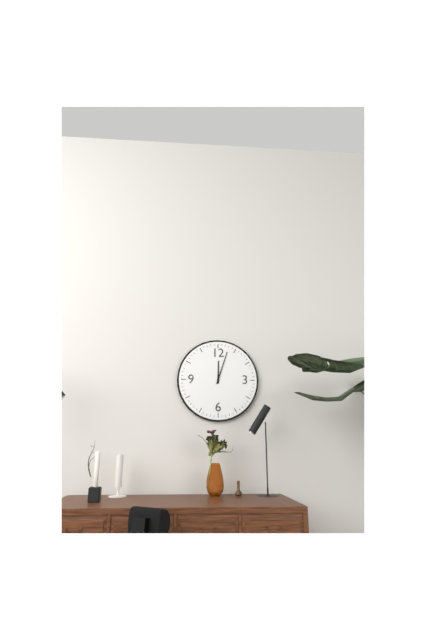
**12:03**
